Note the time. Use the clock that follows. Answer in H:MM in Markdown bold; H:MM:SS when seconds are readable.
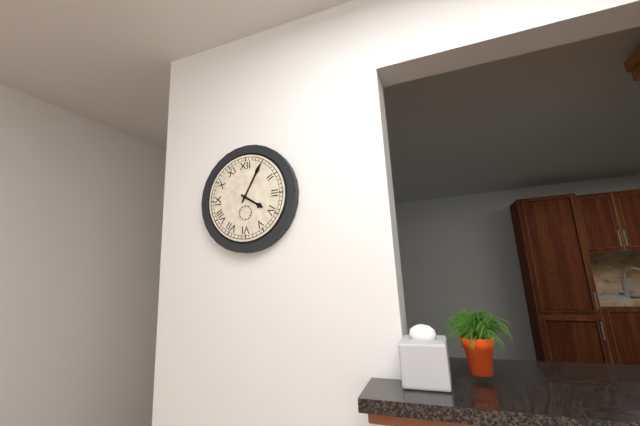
**4:05**
